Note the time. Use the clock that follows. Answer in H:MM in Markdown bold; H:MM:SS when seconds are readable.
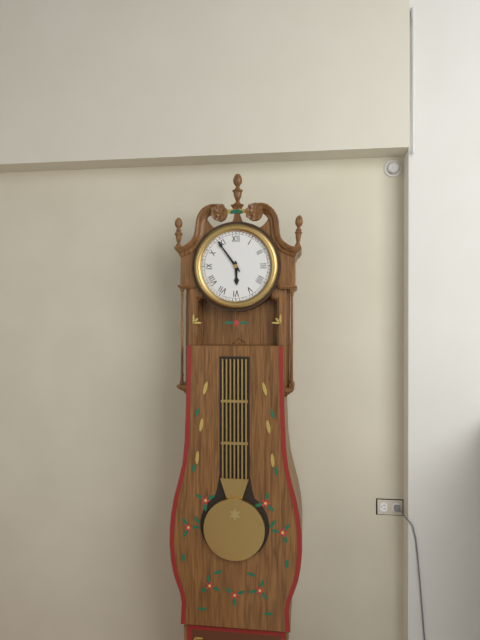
**5:54**
